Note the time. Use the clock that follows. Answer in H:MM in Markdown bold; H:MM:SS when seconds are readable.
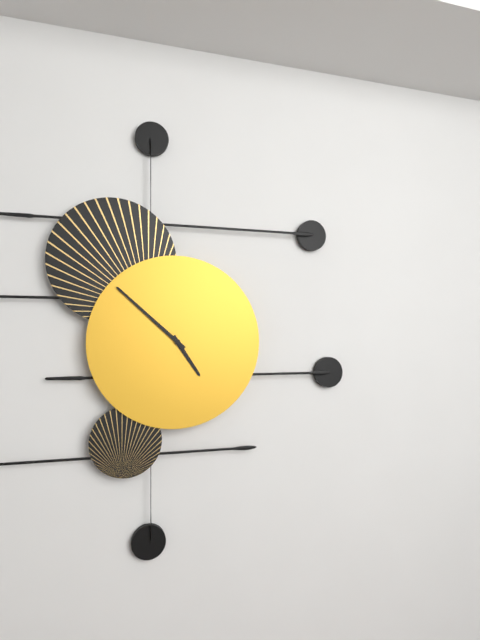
**4:52**
